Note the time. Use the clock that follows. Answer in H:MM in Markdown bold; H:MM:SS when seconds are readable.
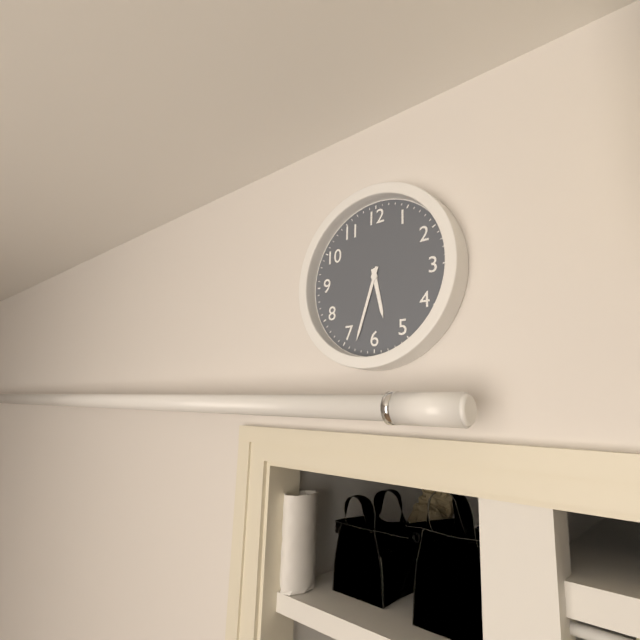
**5:33**
